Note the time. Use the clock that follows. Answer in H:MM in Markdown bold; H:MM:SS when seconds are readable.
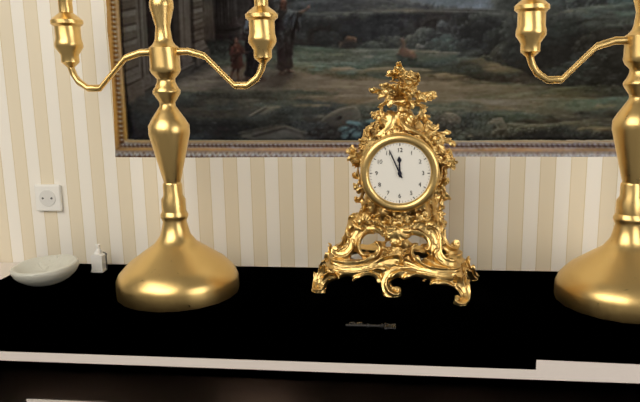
**11:56**
